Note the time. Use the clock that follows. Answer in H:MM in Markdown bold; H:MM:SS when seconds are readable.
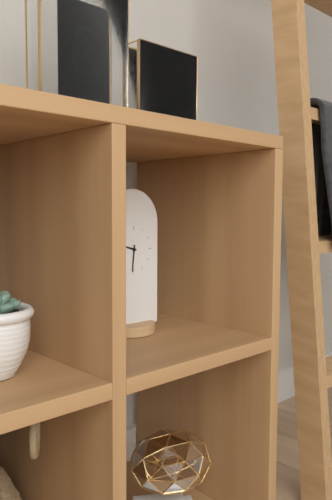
**9:31**
